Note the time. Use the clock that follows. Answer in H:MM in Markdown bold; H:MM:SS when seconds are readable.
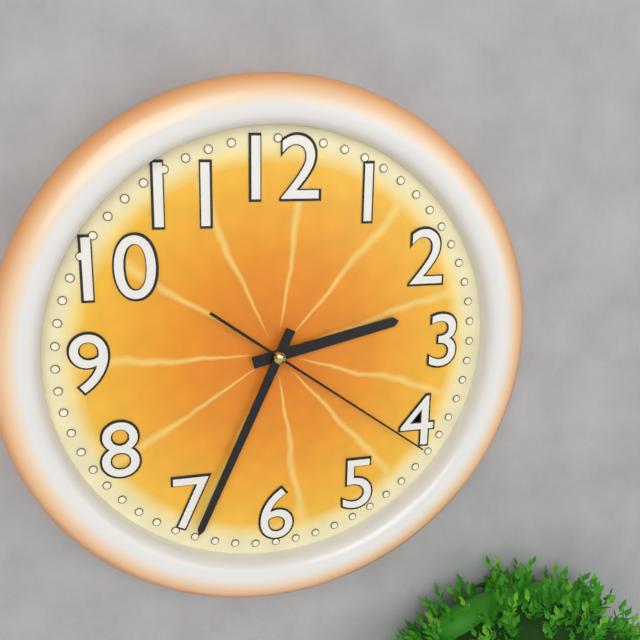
**2:34:21**
